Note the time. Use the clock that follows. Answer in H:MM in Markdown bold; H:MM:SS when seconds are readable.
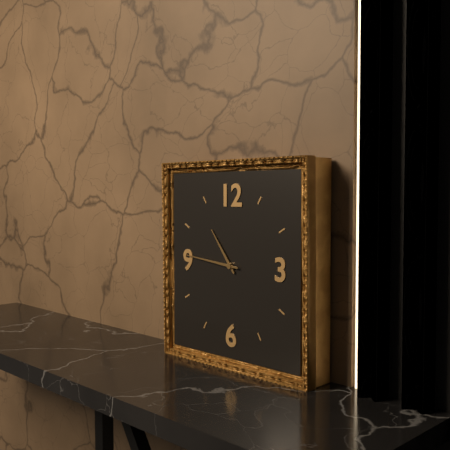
**10:46**
